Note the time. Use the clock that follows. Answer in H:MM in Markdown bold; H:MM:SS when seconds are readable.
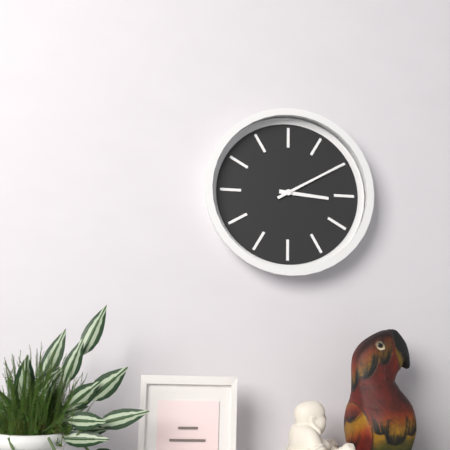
**3:10**
